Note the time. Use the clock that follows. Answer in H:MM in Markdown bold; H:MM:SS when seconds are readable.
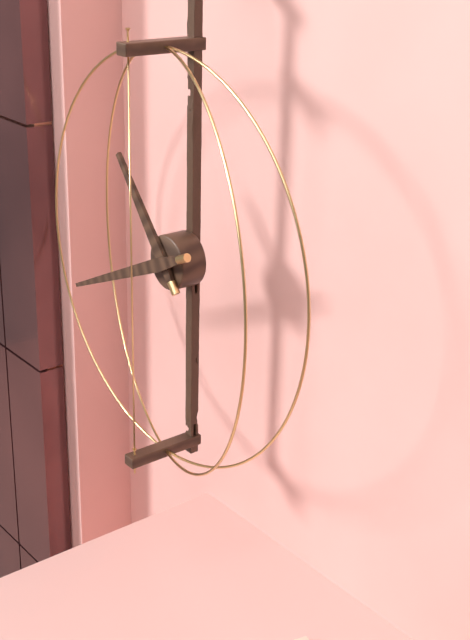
**10:41**
